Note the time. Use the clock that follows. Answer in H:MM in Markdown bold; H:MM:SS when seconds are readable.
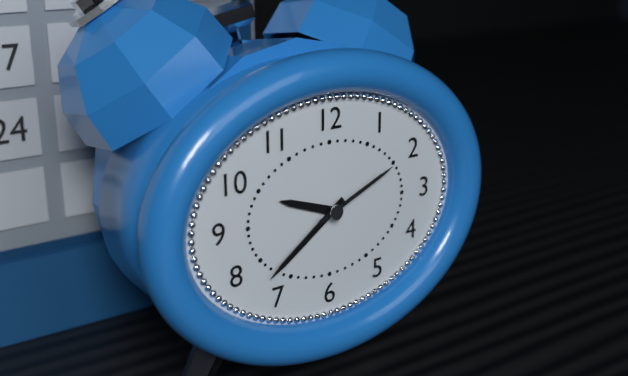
**9:39:11**
